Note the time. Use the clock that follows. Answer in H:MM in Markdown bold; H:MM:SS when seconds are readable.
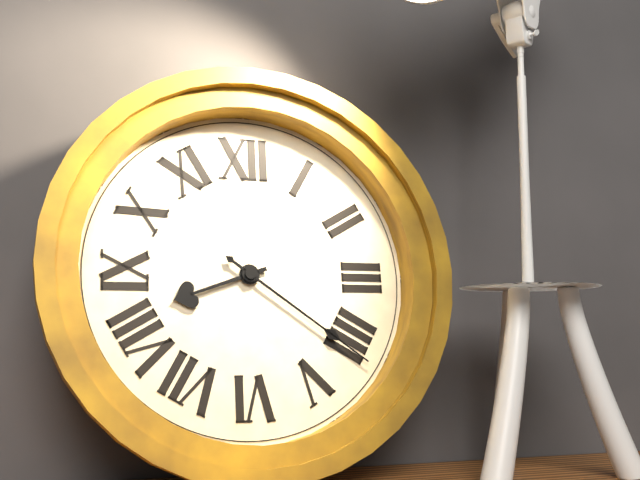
**8:21**
